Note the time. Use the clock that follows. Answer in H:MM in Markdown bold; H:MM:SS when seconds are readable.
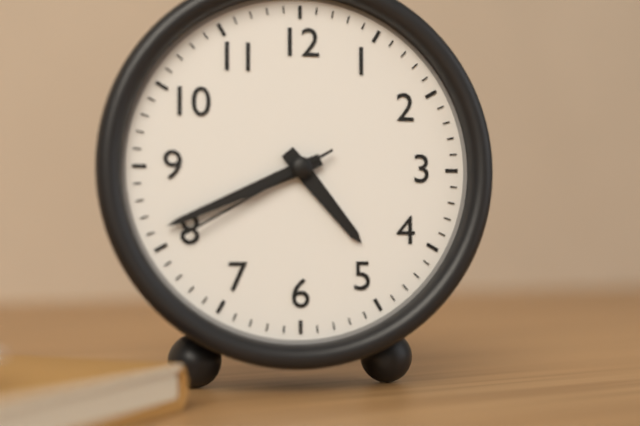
**4:41:40**
